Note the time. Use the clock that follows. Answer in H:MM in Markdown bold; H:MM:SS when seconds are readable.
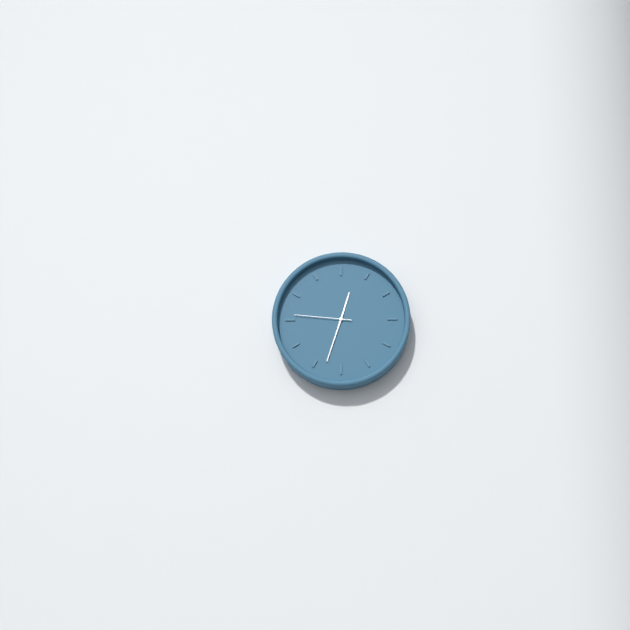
**12:33:46**
